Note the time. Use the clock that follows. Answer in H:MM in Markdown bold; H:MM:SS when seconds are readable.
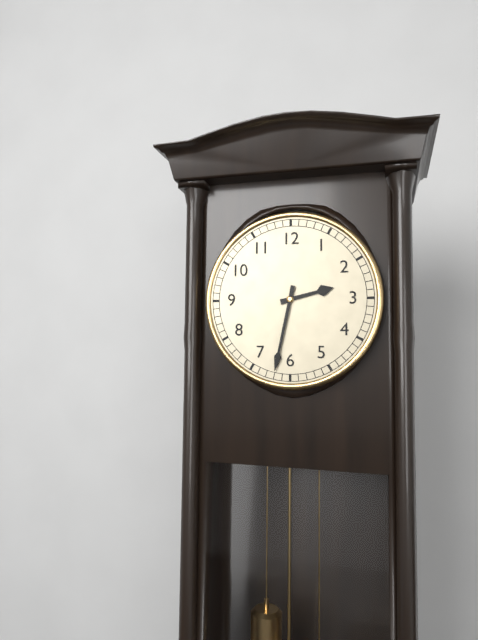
**2:32**
